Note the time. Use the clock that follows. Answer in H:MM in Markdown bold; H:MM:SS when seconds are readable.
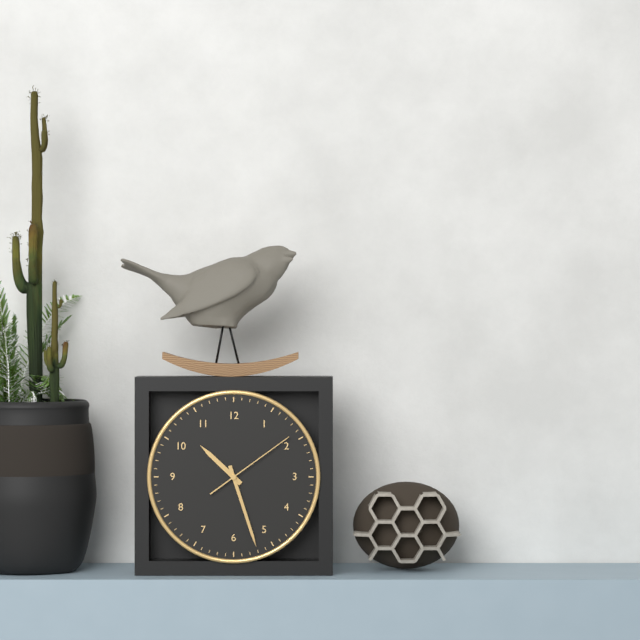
**10:27:09**
